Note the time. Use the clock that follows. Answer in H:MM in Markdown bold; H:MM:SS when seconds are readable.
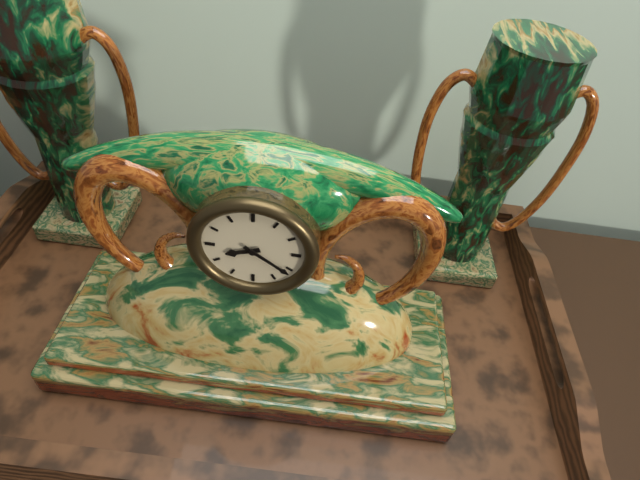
**8:21**
